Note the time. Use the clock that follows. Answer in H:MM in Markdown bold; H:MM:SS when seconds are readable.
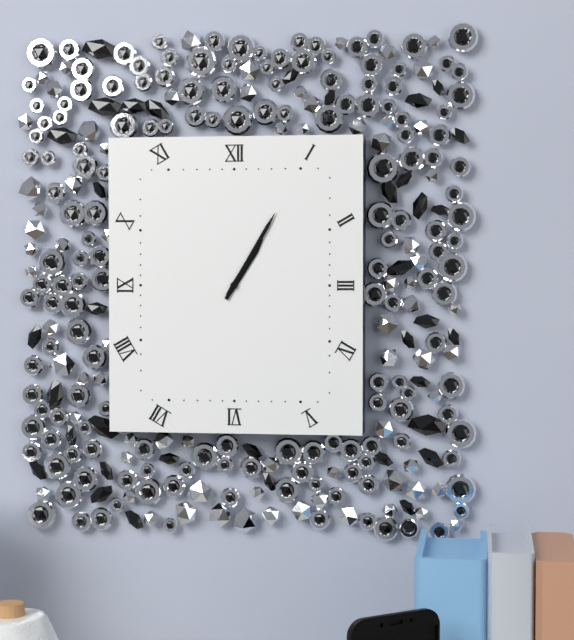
**1:05**
